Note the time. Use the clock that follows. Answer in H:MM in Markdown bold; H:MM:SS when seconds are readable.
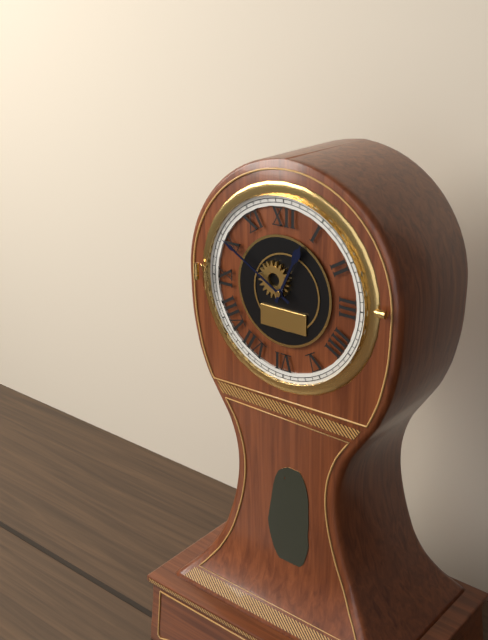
**12:50**
